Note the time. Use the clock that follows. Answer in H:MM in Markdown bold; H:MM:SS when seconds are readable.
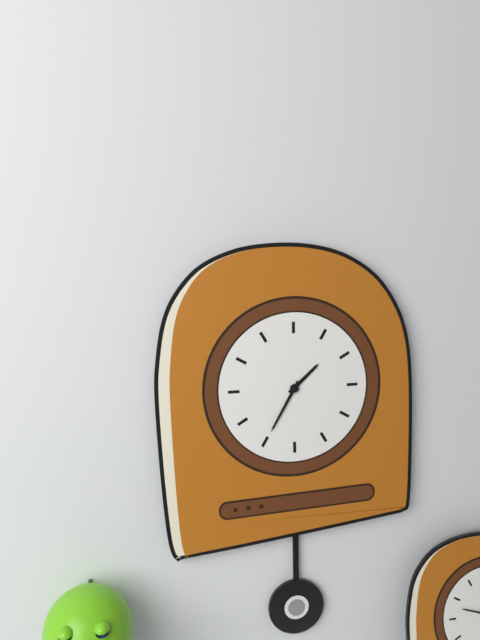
**1:35**
